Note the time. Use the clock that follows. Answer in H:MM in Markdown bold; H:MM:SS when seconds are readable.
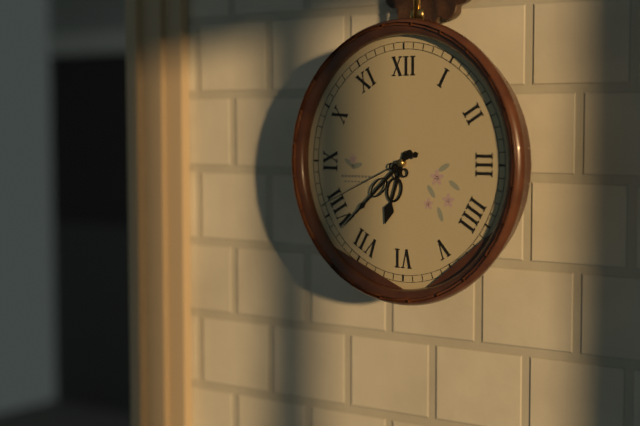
**6:38:41**
